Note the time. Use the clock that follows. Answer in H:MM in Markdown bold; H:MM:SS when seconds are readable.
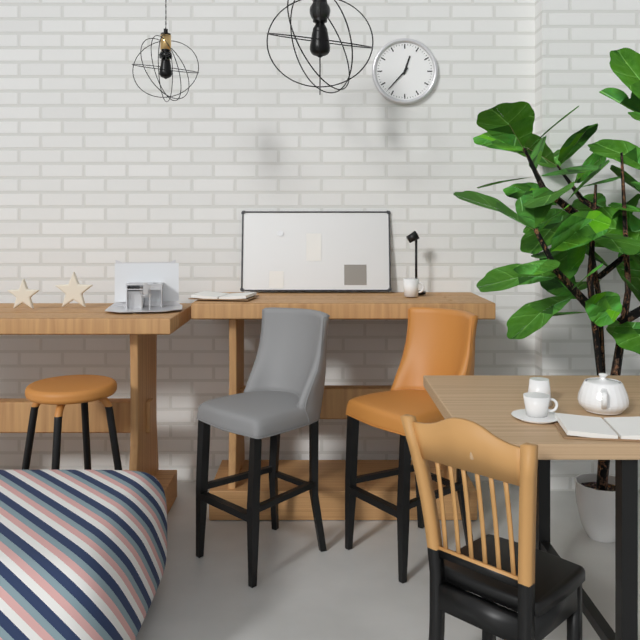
**12:37**
